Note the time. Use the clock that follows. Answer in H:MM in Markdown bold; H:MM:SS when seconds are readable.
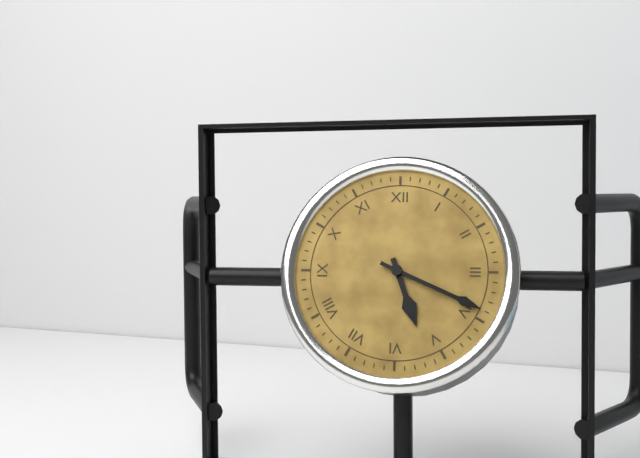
**5:19**
